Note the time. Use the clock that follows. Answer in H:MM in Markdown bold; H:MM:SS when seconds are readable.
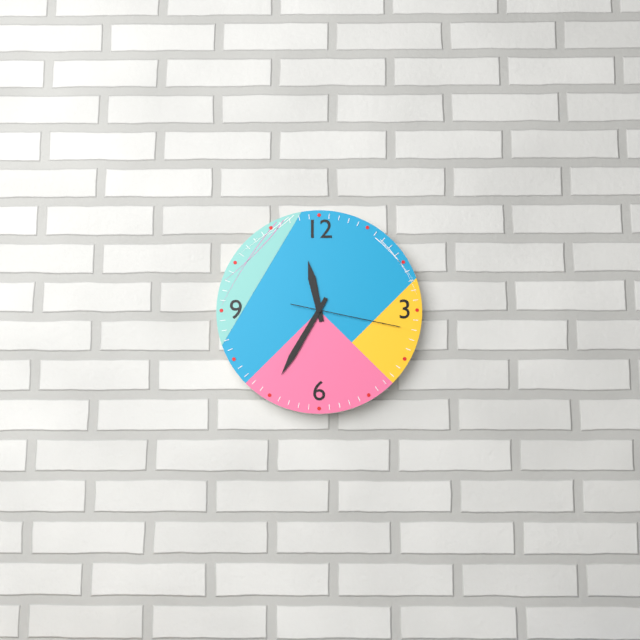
**11:35:17**
